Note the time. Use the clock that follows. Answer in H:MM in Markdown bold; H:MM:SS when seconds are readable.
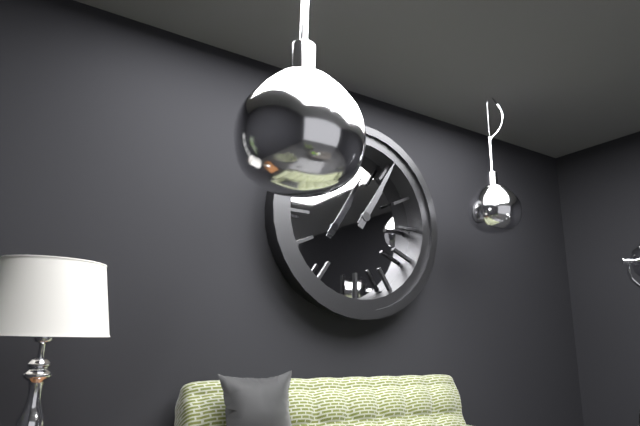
**1:05**
